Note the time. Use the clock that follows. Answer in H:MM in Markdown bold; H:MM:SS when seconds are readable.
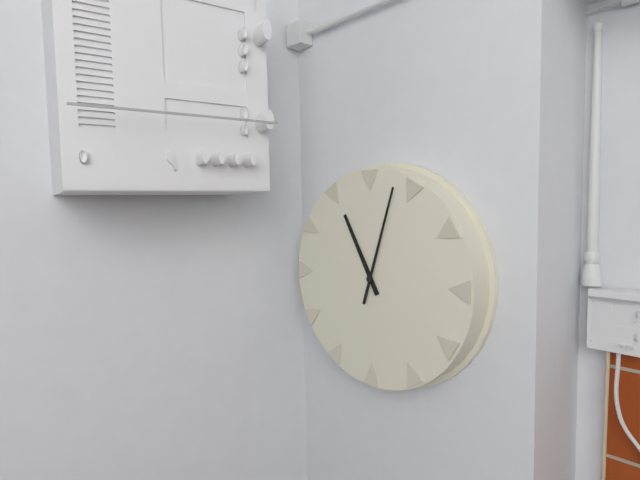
**11:03**
